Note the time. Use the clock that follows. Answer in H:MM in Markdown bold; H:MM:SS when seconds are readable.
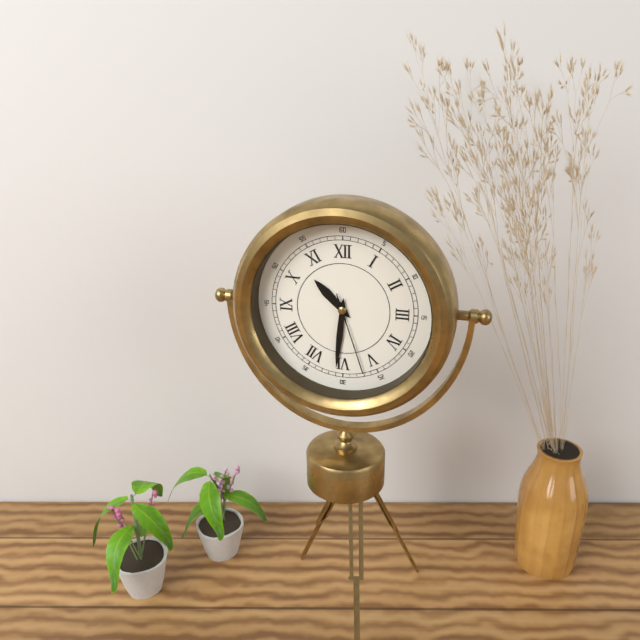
**10:31:27**
